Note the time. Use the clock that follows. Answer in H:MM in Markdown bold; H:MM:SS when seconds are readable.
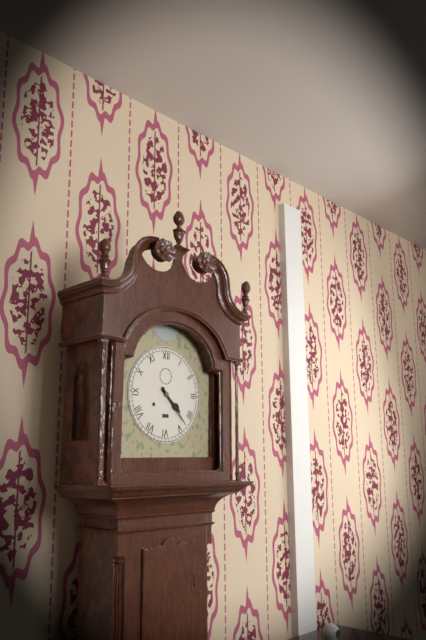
**4:23**
